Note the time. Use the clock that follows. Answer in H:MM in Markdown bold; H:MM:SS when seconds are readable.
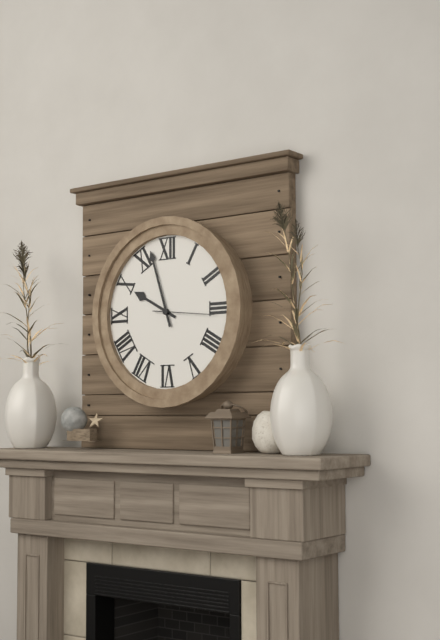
**9:57:16**
